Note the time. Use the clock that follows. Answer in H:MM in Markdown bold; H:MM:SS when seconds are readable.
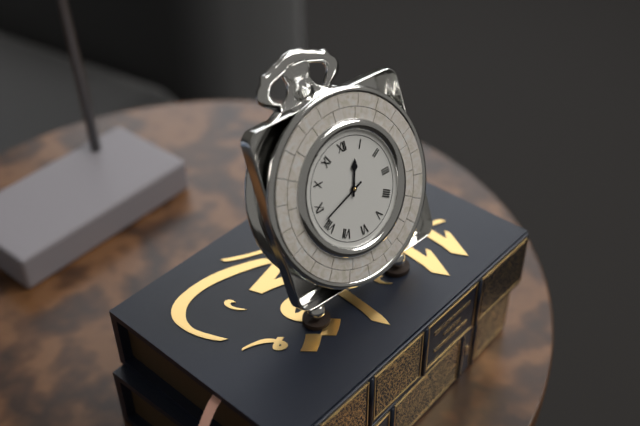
**12:42**
